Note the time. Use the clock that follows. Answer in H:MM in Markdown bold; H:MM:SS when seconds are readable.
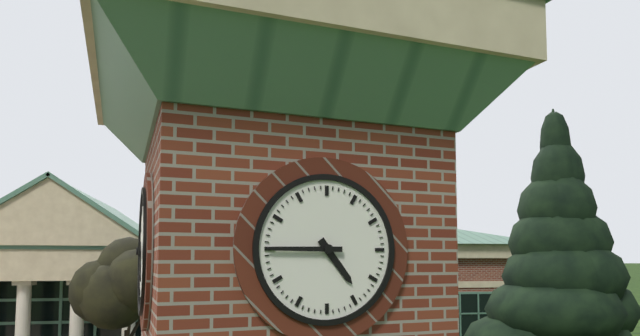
**4:45**
